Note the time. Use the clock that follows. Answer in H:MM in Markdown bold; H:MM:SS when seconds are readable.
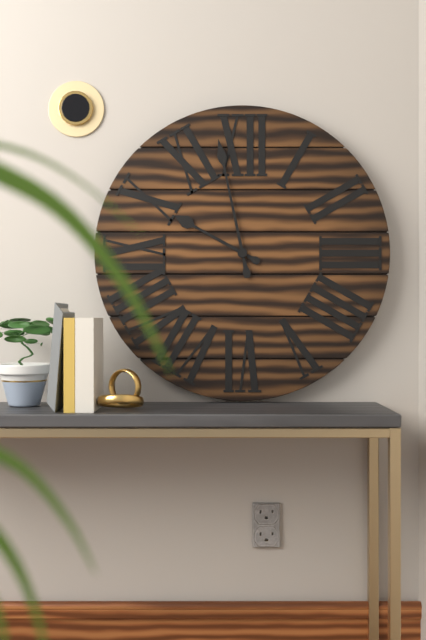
**9:58**
